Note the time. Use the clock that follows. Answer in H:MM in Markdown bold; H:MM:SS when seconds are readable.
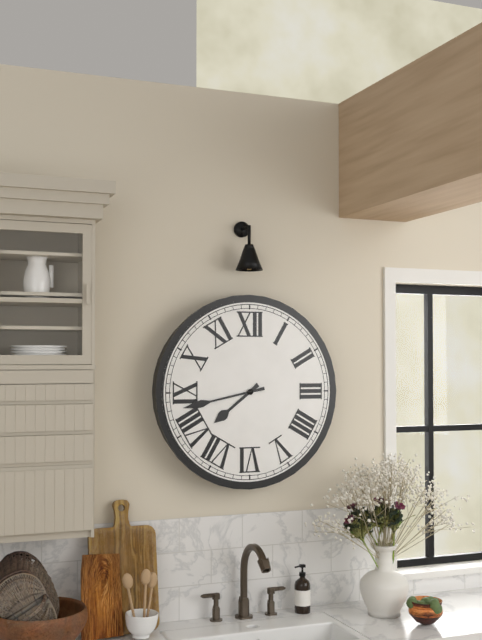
**7:43**
